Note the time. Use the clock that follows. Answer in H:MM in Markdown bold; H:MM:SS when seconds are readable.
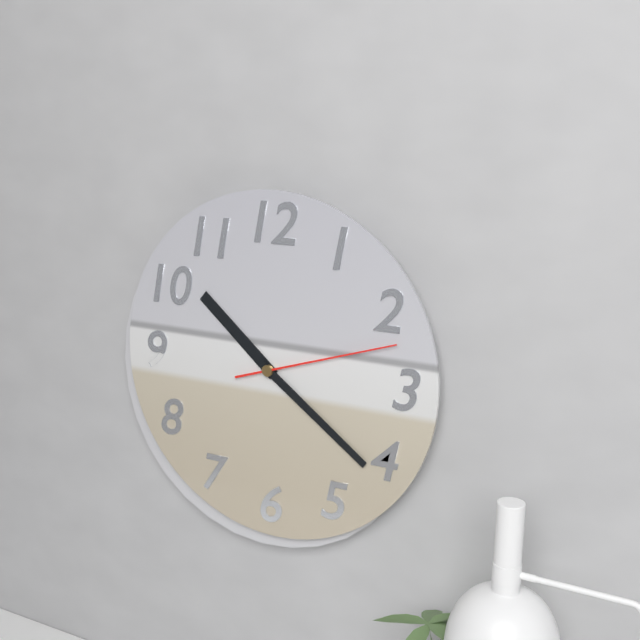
**10:21:12**
